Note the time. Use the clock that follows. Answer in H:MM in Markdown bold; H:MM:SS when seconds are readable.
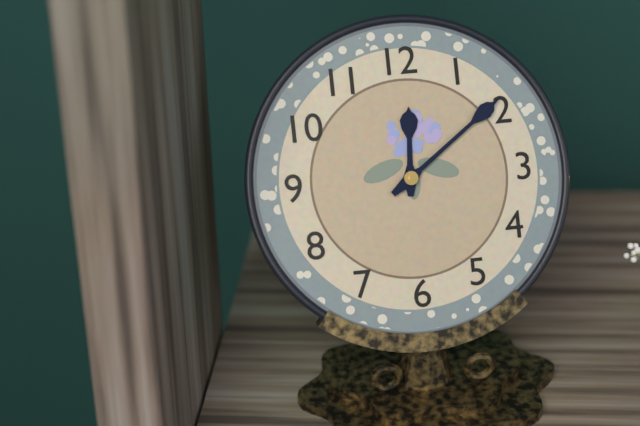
**12:09**
